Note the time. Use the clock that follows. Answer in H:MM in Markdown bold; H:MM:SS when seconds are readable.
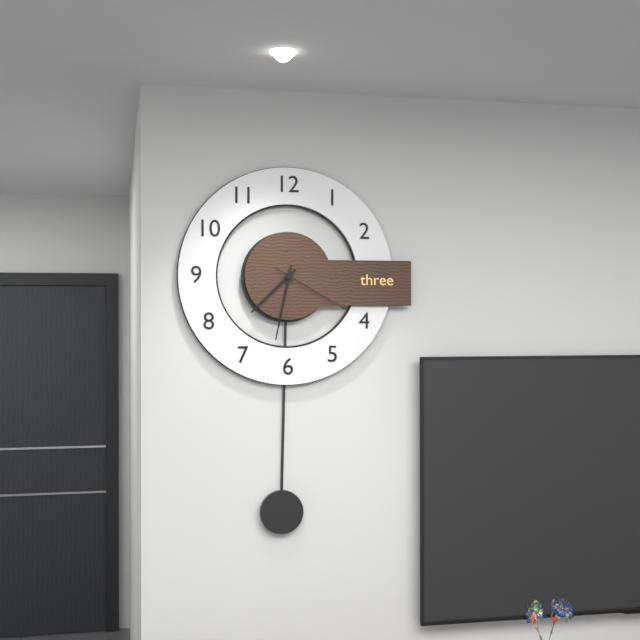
**7:32:20**
